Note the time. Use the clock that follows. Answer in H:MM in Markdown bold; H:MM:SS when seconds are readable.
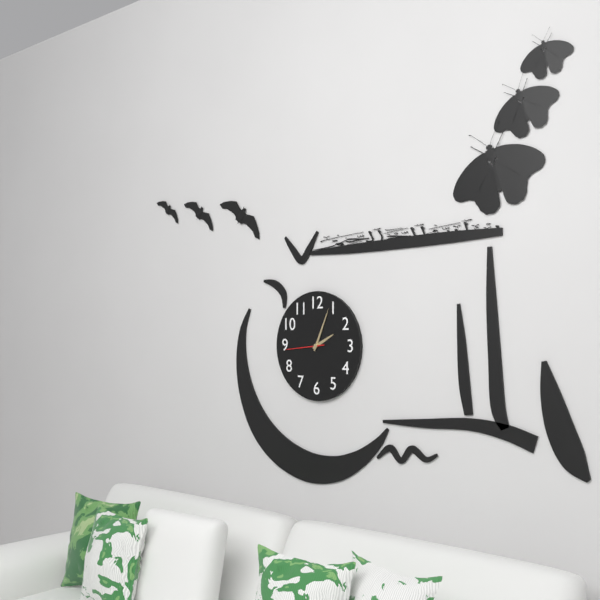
**2:04**
